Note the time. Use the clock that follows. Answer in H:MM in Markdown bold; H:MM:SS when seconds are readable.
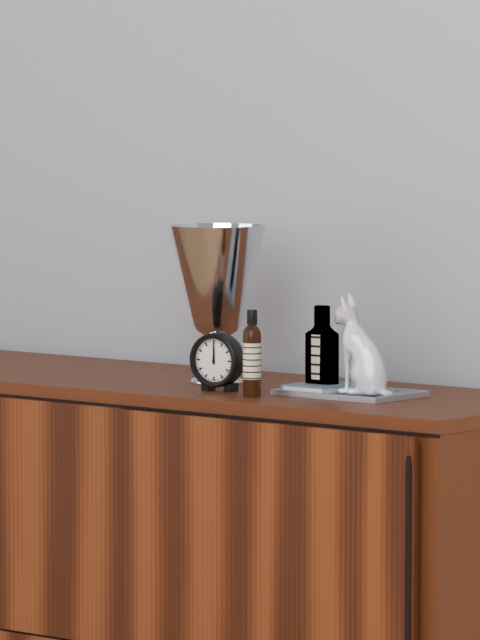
**12:00**
